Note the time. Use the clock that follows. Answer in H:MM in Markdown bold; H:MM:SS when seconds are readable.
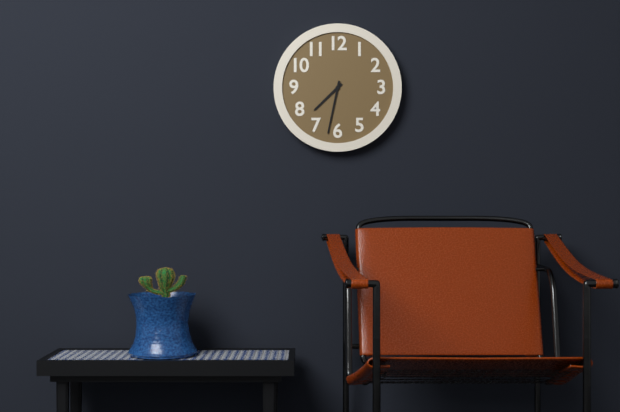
**7:32**
